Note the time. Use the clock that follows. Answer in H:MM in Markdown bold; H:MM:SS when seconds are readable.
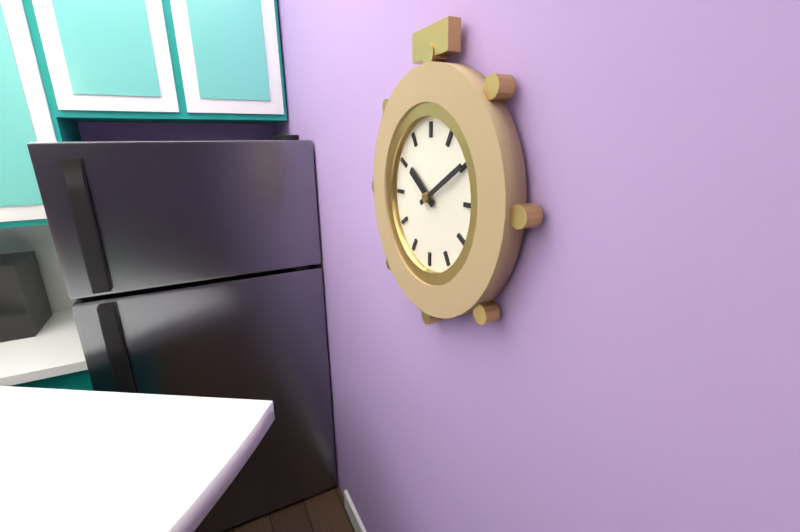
**10:10**
